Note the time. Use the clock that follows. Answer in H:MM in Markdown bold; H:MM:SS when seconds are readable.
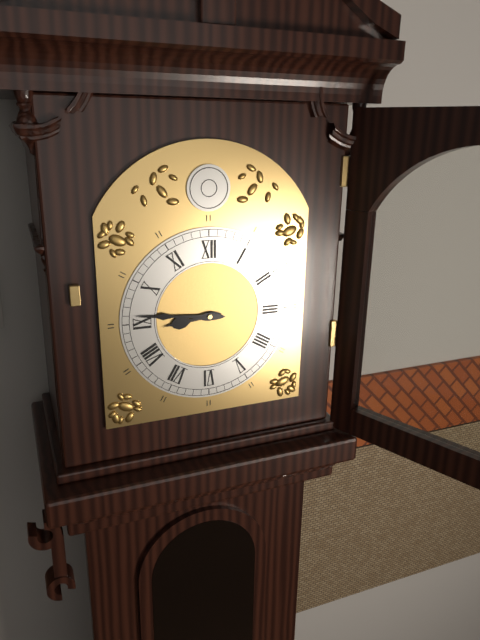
**8:46**
